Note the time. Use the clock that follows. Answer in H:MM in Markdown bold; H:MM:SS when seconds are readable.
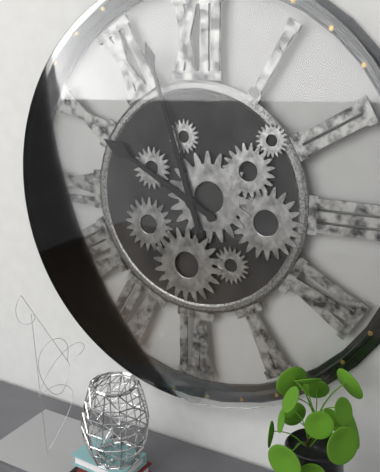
**9:57**
